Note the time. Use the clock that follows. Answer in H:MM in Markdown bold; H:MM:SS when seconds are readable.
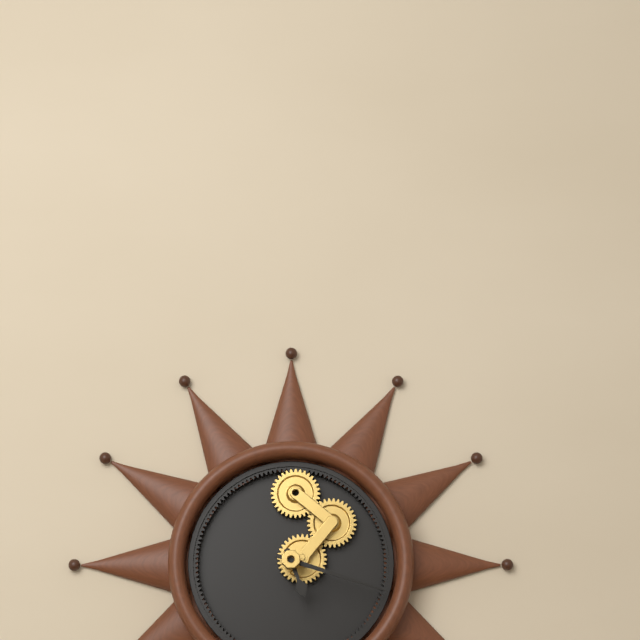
**5:18**
